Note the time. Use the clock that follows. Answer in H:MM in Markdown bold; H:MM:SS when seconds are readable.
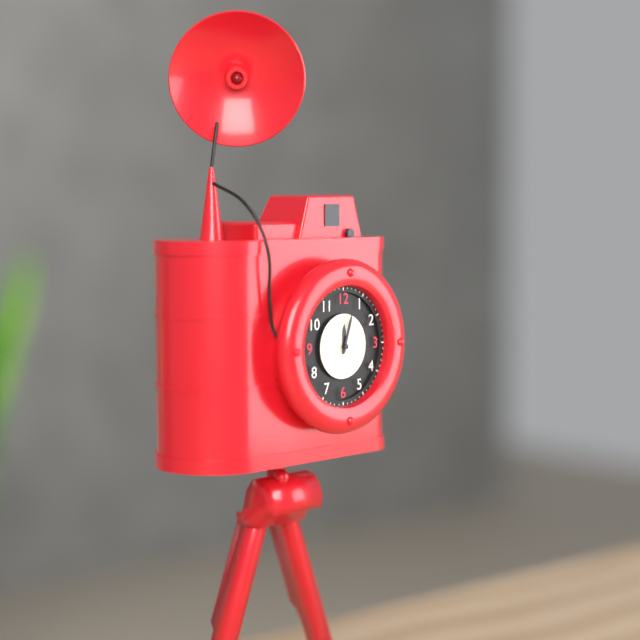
**12:03**
